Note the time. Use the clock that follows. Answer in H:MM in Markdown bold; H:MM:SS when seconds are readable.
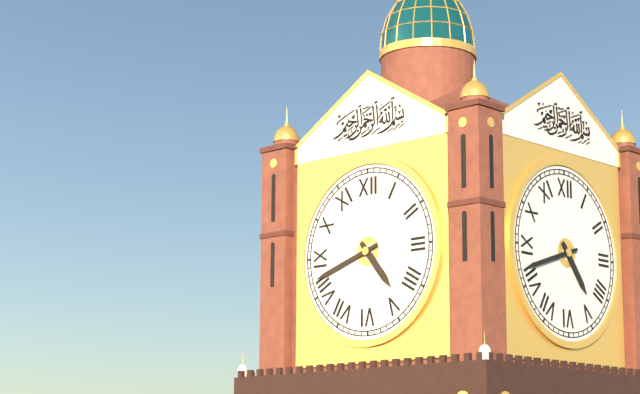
**4:42**
